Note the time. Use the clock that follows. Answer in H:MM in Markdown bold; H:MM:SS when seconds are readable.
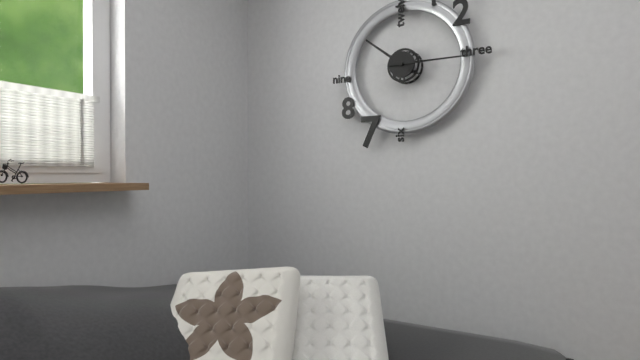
**10:15**
